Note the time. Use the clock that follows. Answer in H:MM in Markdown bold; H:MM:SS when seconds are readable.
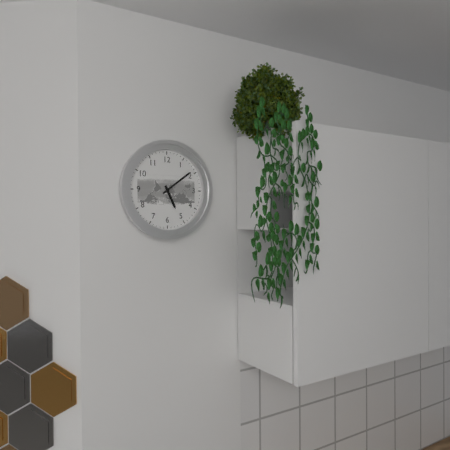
**5:09**
